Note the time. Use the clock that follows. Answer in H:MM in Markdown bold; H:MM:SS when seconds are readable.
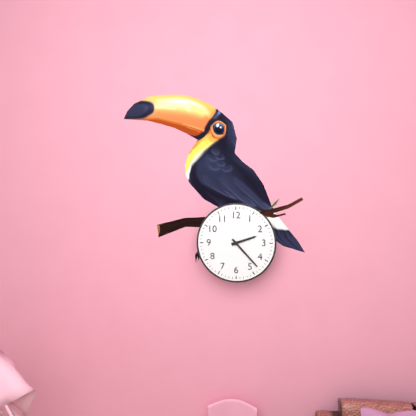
**2:23**
